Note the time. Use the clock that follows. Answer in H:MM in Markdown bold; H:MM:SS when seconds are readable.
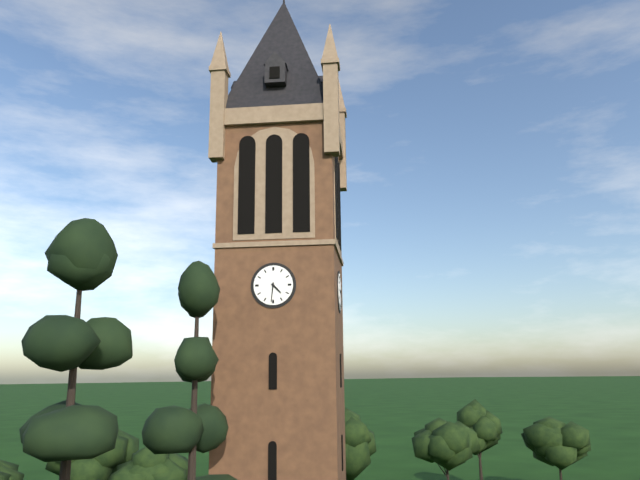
**4:31**
